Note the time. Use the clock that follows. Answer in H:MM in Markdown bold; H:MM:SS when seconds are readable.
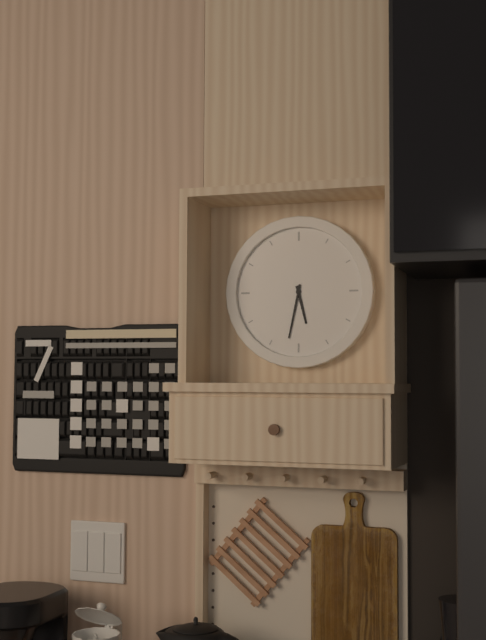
**5:32**
